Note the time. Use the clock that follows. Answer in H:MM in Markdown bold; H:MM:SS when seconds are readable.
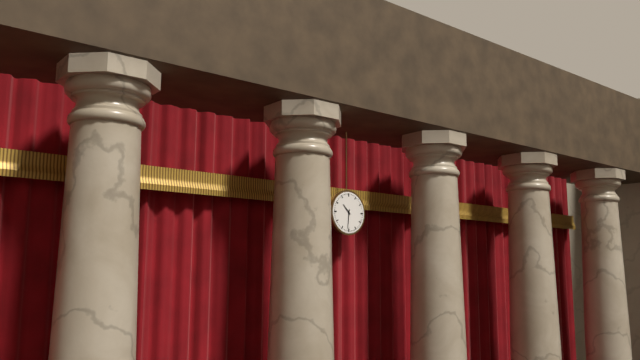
**10:31**
